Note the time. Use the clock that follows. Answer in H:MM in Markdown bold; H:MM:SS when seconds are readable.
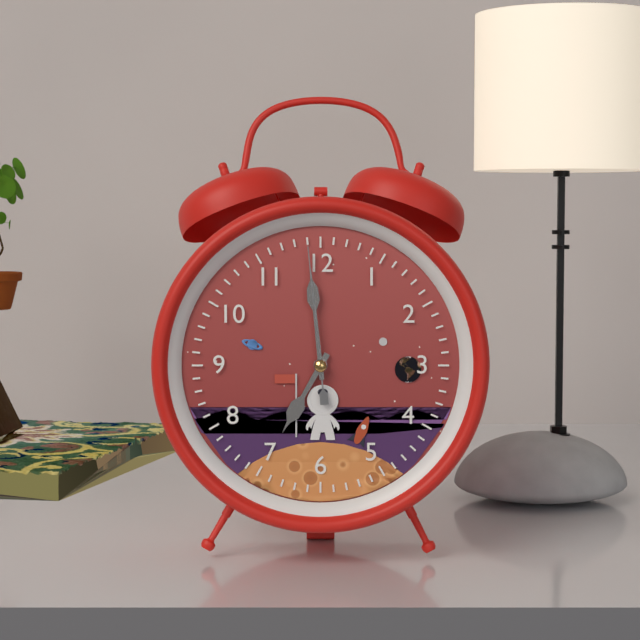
**6:59:59**
